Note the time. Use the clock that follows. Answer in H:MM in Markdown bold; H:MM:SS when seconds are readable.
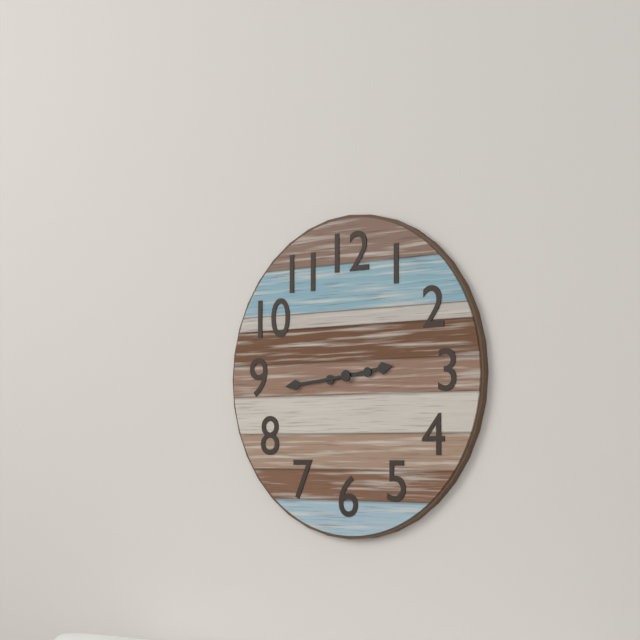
**2:44**
